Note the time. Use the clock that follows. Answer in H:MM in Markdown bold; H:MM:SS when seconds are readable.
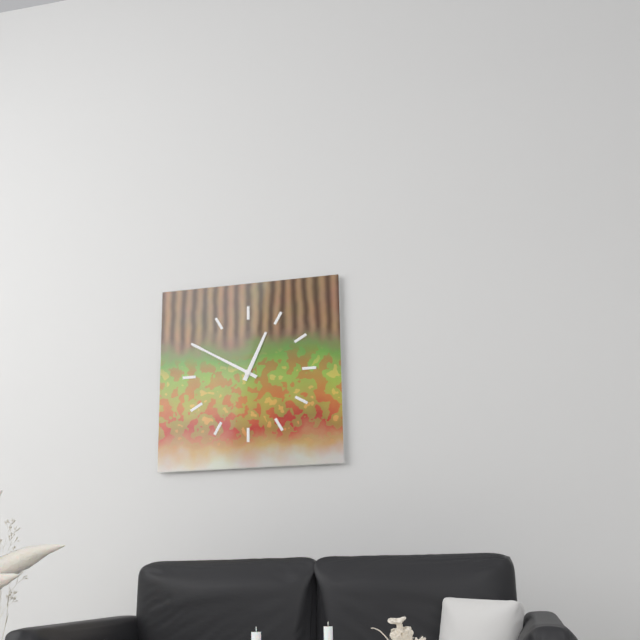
**12:50**
